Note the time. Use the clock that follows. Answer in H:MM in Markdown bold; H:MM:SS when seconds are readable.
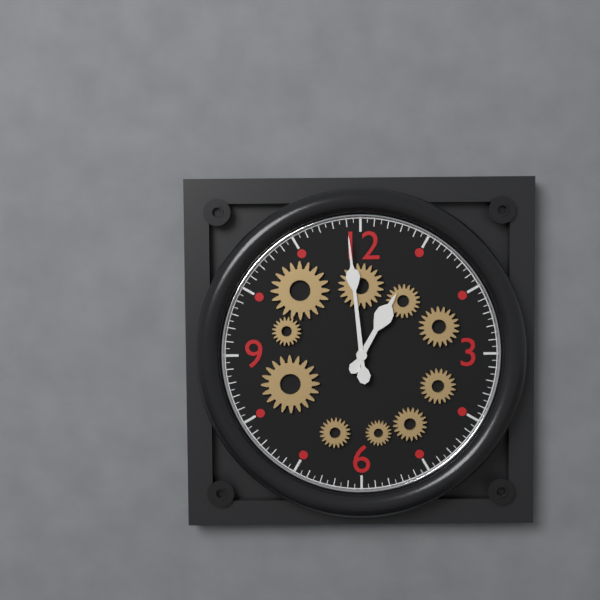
**12:59**
